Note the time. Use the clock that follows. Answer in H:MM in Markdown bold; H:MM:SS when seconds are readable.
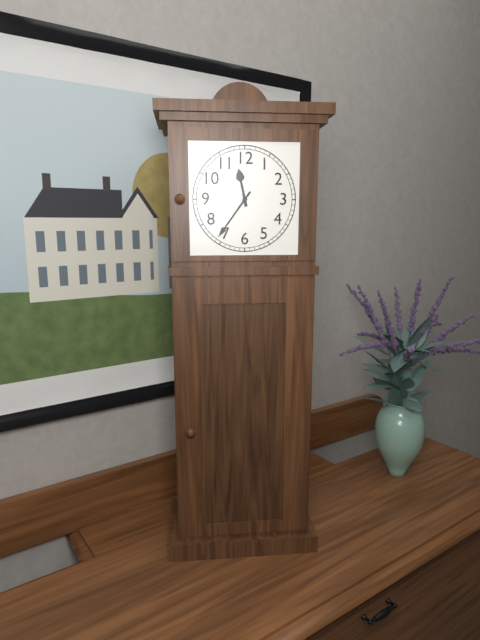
**11:36**
